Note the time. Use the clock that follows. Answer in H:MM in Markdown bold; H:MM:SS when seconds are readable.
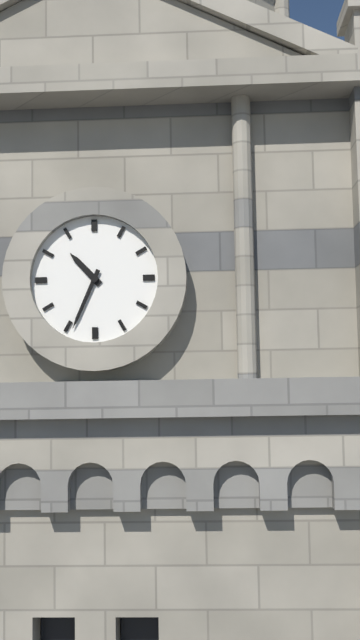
**10:34**
